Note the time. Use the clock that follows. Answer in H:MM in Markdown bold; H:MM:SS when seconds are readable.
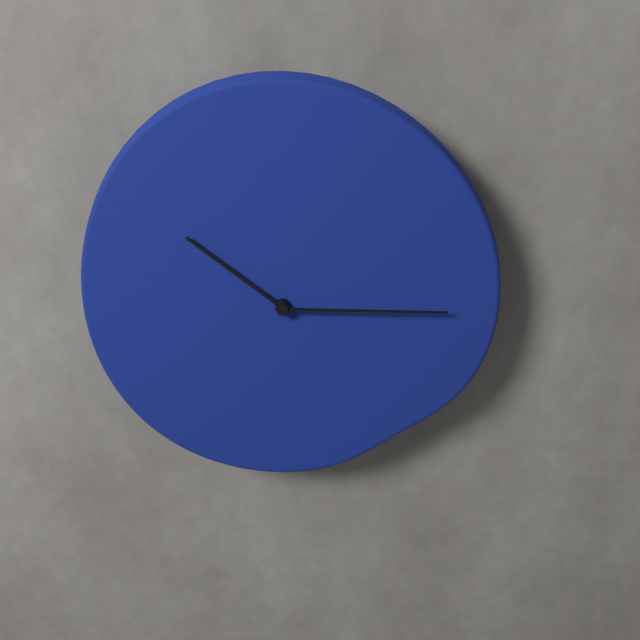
**10:15**
